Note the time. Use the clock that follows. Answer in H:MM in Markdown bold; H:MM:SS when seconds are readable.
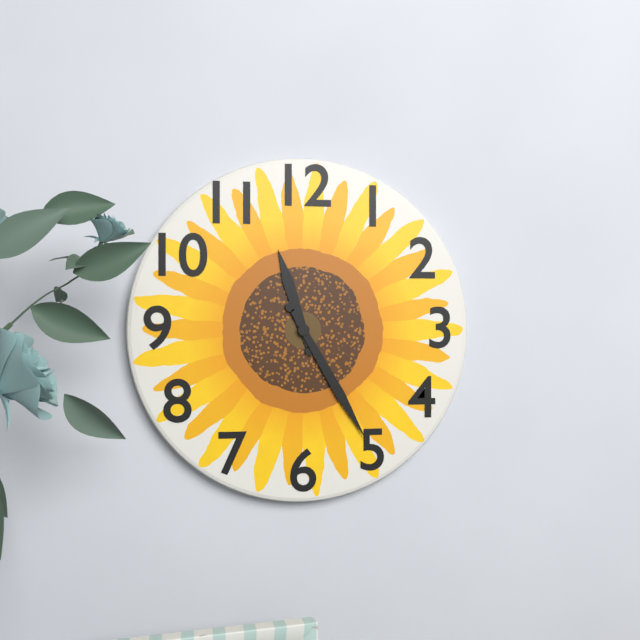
**11:25**
